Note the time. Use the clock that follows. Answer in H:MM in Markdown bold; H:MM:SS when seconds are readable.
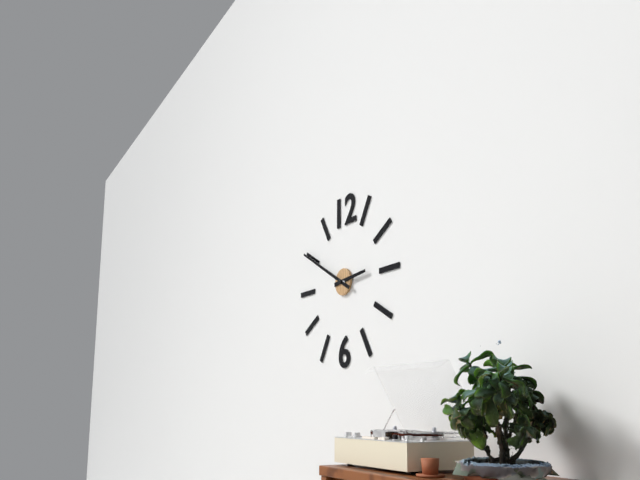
**2:50**
